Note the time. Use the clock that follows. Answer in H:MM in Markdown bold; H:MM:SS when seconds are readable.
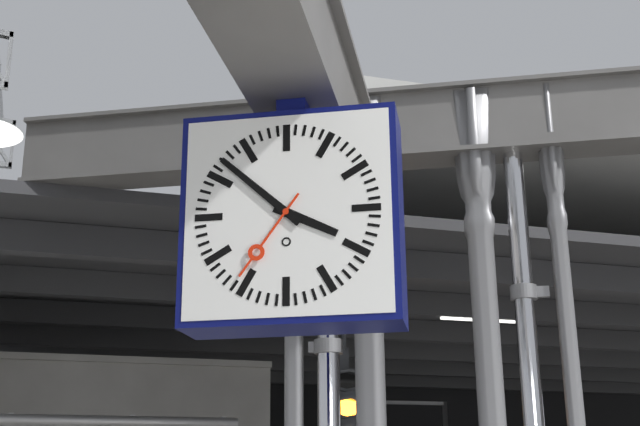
**3:52:36**
